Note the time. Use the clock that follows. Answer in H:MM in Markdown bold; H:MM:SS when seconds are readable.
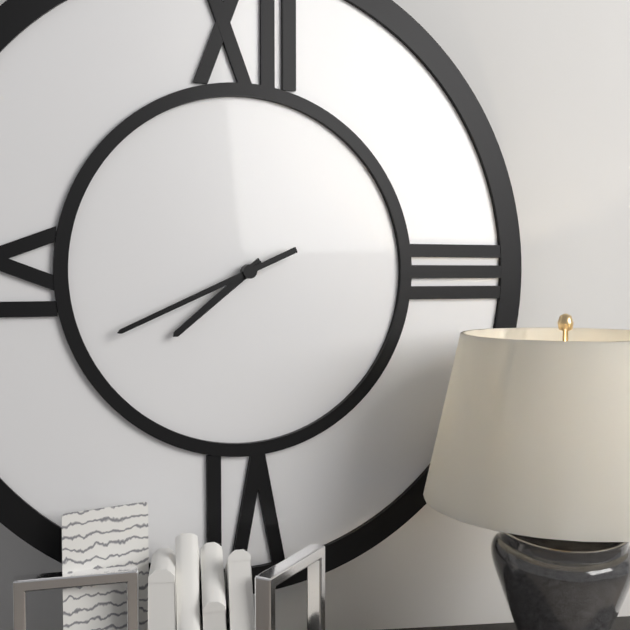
**7:41**
